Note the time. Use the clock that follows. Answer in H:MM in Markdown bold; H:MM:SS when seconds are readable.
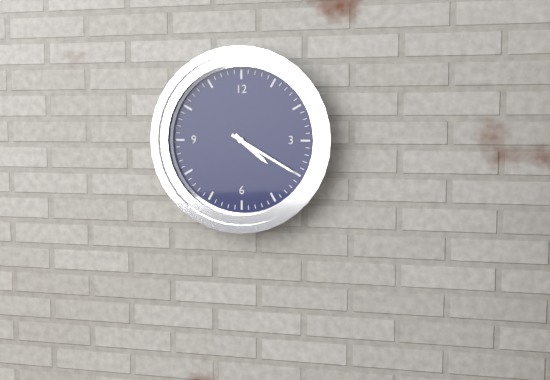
**4:20**
